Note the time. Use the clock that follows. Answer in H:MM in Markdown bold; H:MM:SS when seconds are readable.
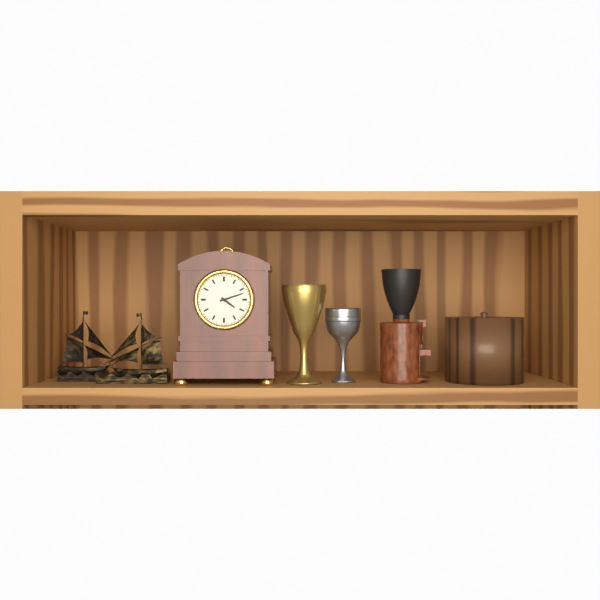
**4:12**
